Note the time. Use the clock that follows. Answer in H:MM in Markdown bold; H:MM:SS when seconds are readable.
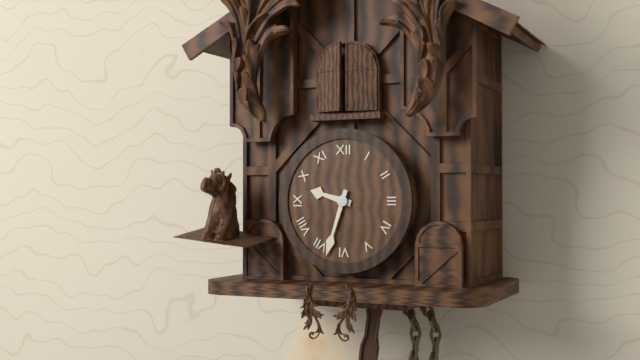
**9:33**
